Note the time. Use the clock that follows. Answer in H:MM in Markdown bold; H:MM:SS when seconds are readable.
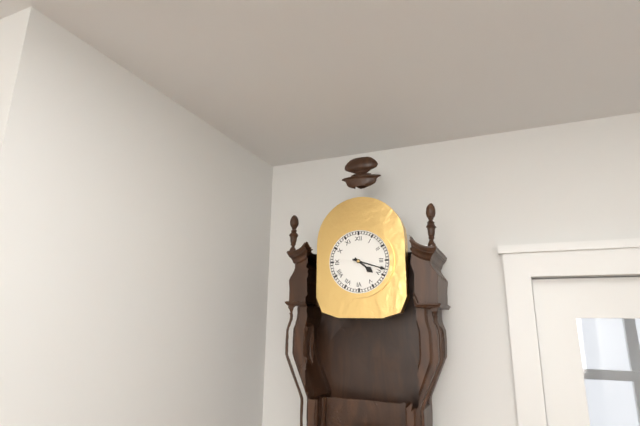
**4:18**
